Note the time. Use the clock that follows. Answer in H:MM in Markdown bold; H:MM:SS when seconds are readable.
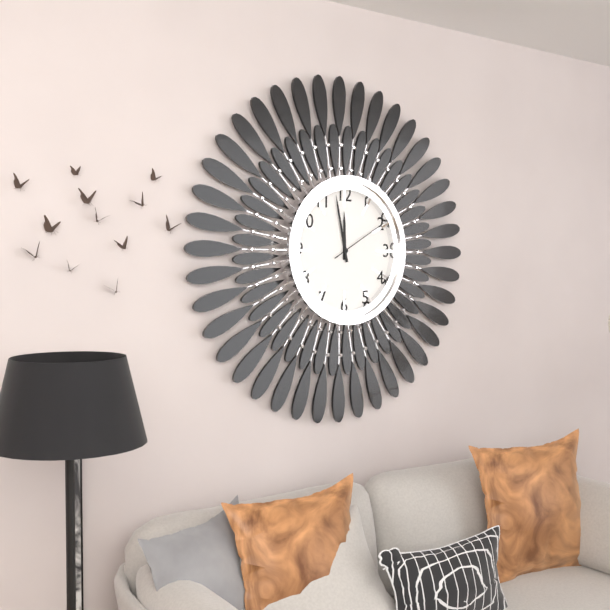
**11:58:10**
